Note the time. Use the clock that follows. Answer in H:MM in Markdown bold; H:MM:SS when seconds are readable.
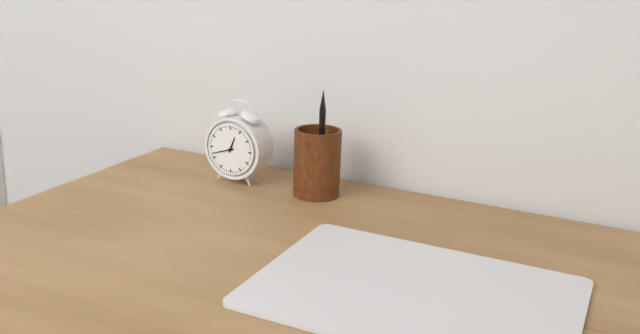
**12:42**
